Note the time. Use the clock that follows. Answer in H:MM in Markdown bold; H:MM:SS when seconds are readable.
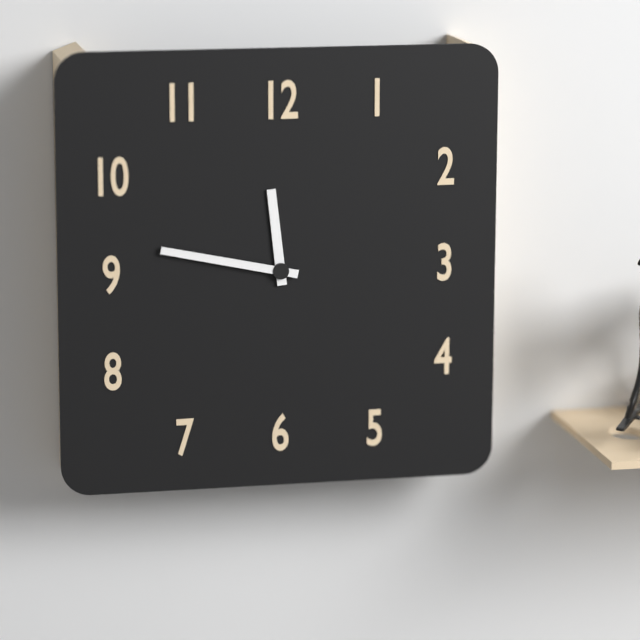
**11:47**
